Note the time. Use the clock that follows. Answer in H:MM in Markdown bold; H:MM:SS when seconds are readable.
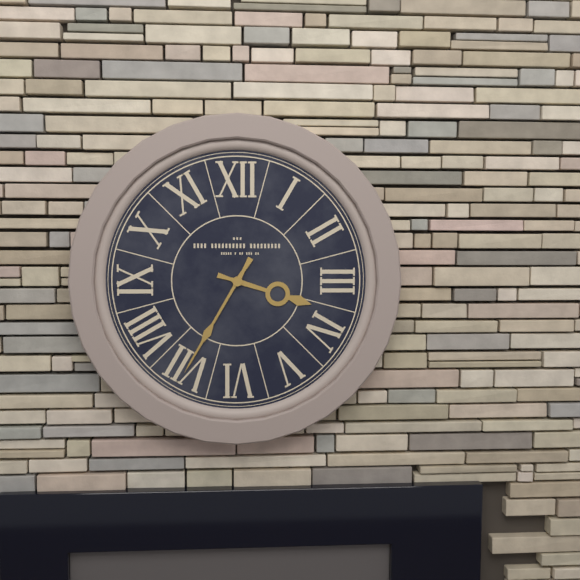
**3:35**
